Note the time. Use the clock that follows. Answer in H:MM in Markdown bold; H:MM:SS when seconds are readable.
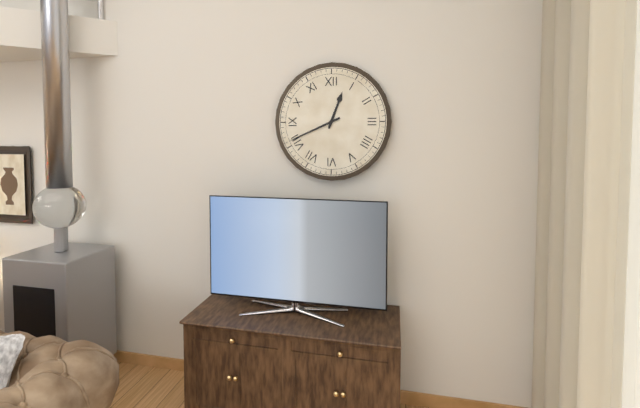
**12:41**
